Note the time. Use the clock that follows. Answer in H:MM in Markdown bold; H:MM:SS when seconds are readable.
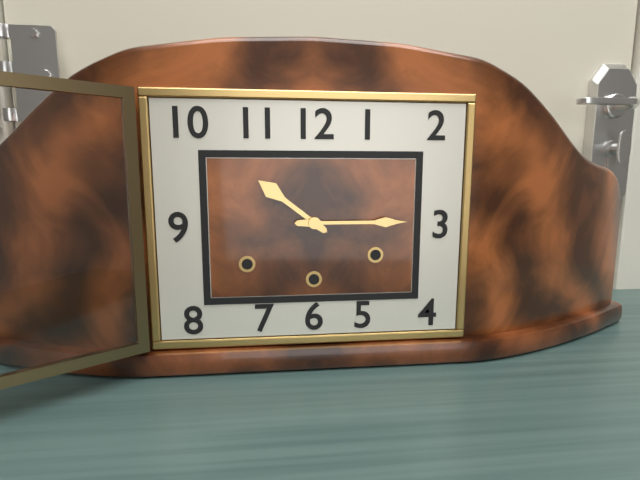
**10:15**
